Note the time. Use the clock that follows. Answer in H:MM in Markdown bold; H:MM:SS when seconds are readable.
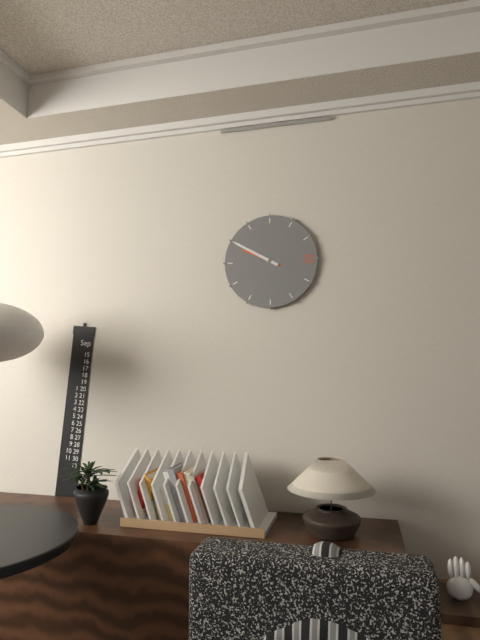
**9:50**
